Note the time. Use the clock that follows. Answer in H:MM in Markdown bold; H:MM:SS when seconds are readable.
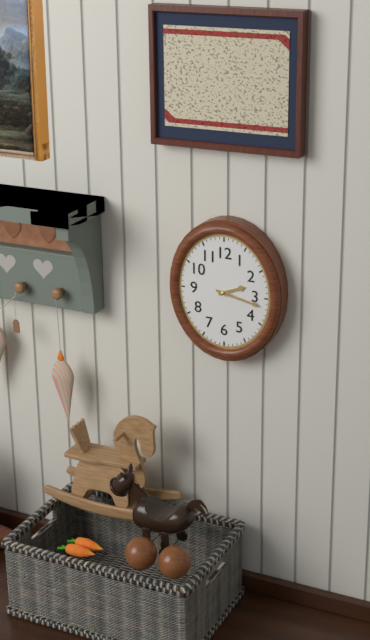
**2:17**
